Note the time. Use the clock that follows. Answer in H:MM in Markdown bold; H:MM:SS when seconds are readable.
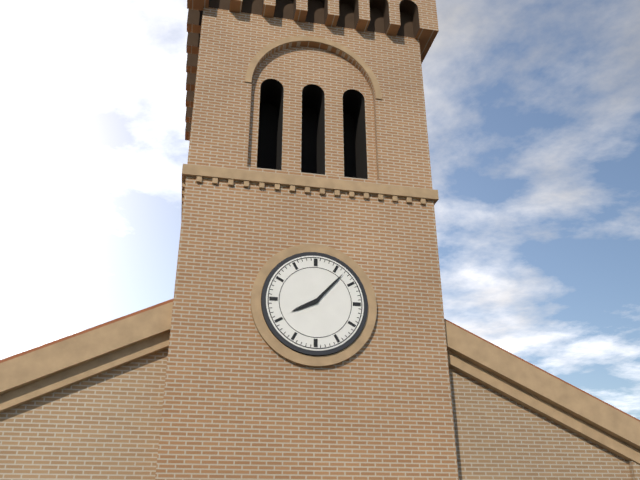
**8:07**
